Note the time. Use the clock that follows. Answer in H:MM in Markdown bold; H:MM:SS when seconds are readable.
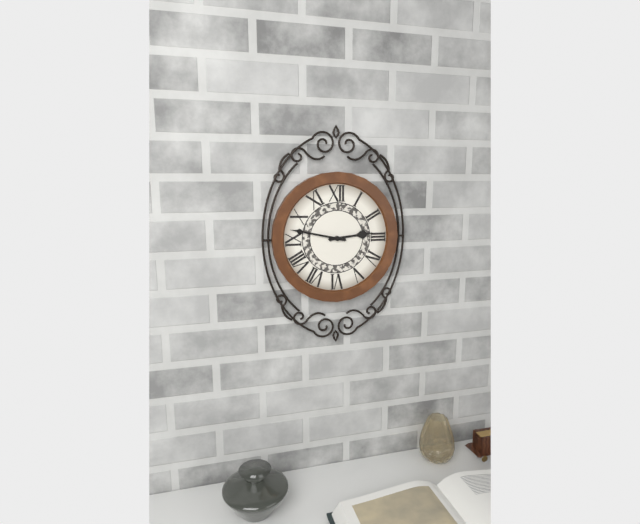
**2:47**
